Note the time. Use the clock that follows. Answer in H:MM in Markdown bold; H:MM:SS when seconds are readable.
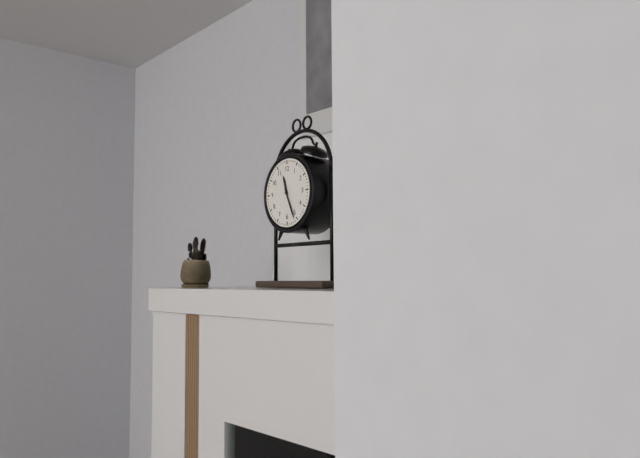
**11:26**
